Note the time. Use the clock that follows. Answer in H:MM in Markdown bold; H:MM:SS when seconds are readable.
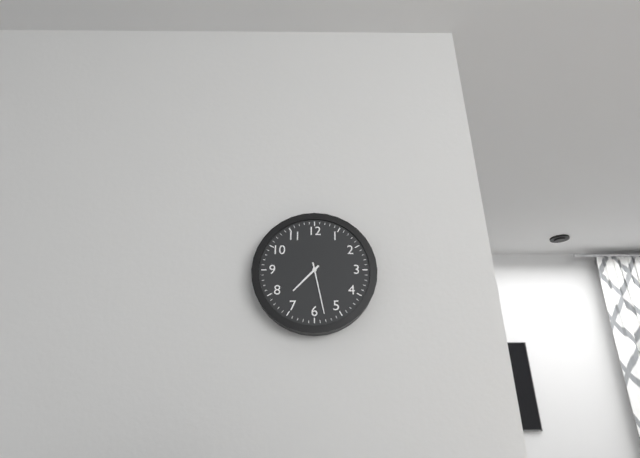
**7:28**
